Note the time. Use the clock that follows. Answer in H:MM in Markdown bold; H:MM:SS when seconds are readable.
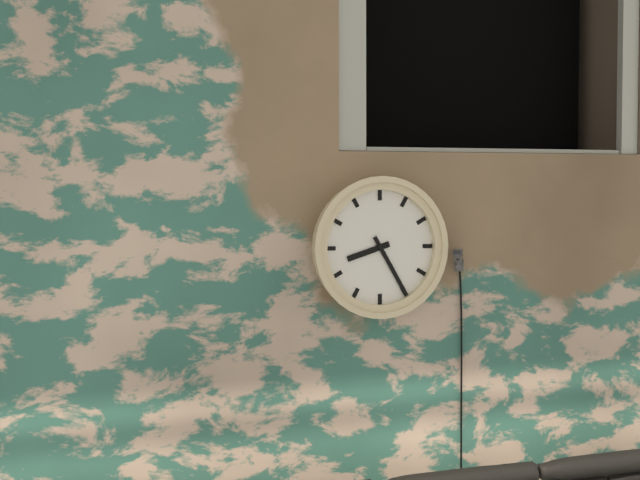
**8:25**
